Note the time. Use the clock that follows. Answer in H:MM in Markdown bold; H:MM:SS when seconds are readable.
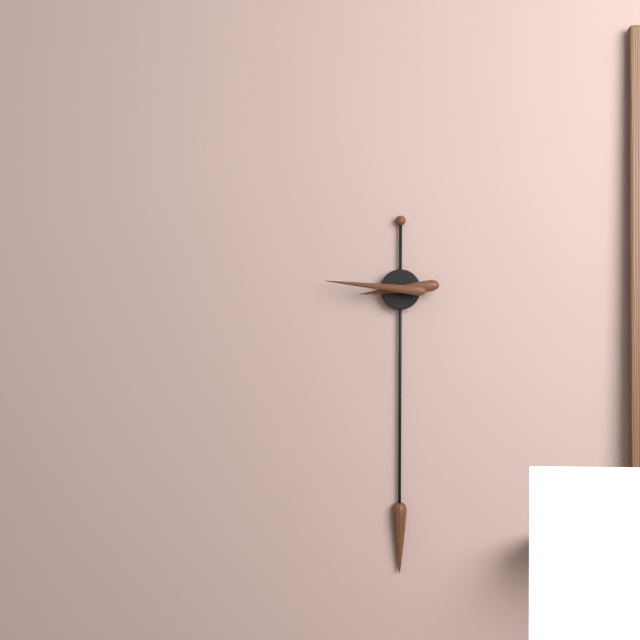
**8:46**
